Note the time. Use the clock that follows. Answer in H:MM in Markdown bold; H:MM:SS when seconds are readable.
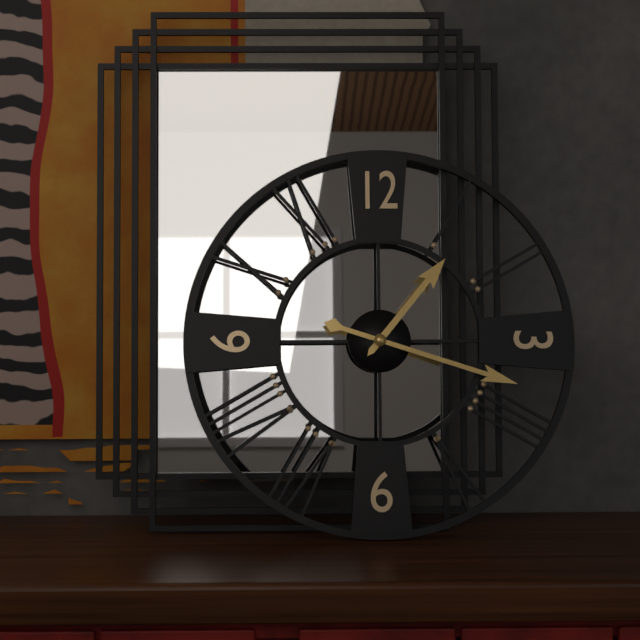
**1:18**
